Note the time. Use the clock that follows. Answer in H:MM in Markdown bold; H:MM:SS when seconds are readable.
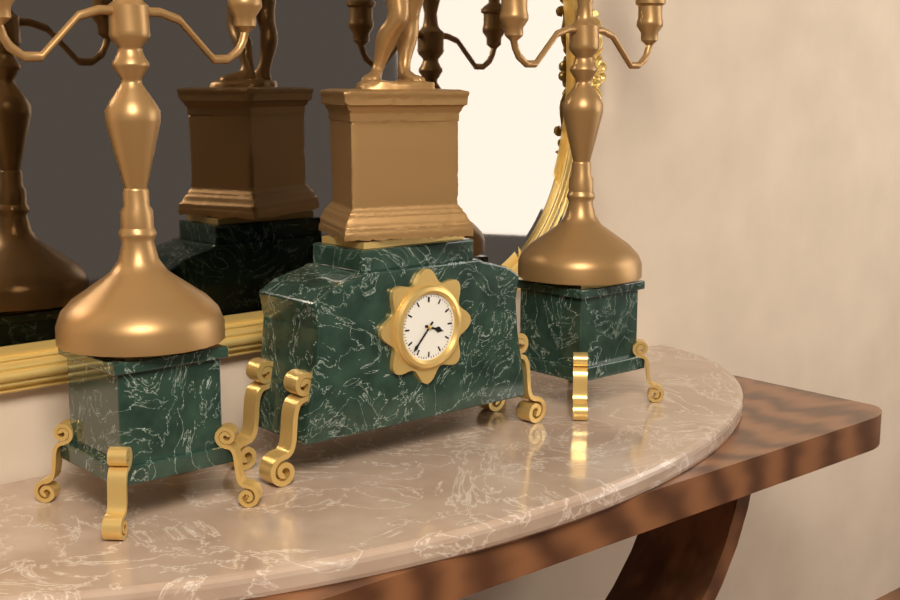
**3:37**
